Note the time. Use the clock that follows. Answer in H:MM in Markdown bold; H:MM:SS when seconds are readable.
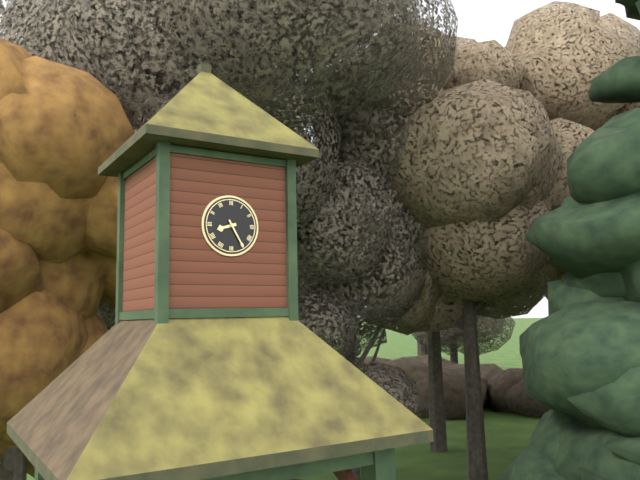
**8:25**
